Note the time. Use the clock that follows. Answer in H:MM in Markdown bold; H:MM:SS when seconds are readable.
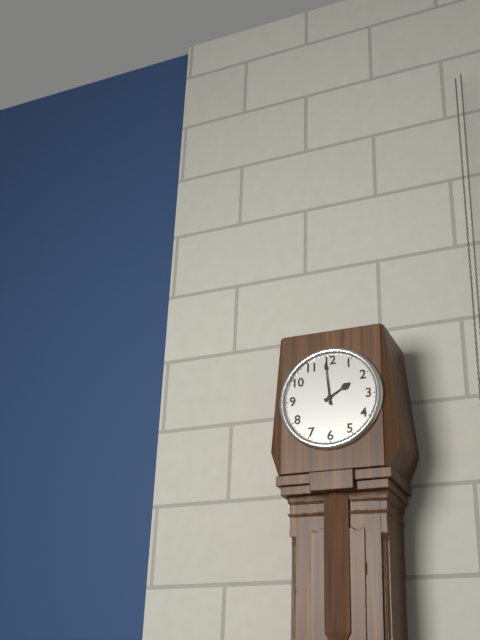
**1:59**
